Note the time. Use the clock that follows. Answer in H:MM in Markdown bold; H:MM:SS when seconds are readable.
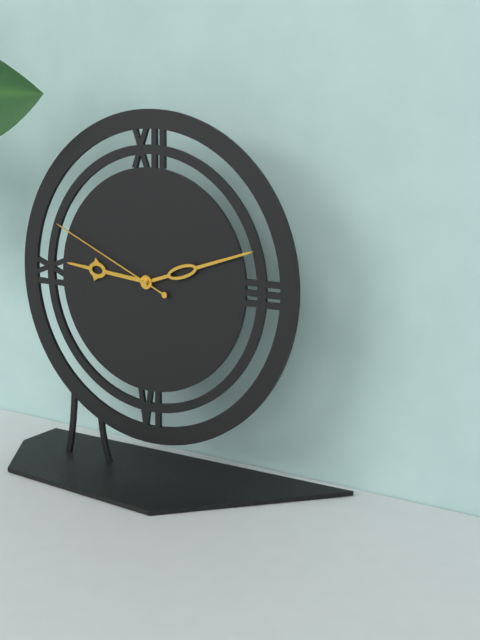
**9:12:49**
